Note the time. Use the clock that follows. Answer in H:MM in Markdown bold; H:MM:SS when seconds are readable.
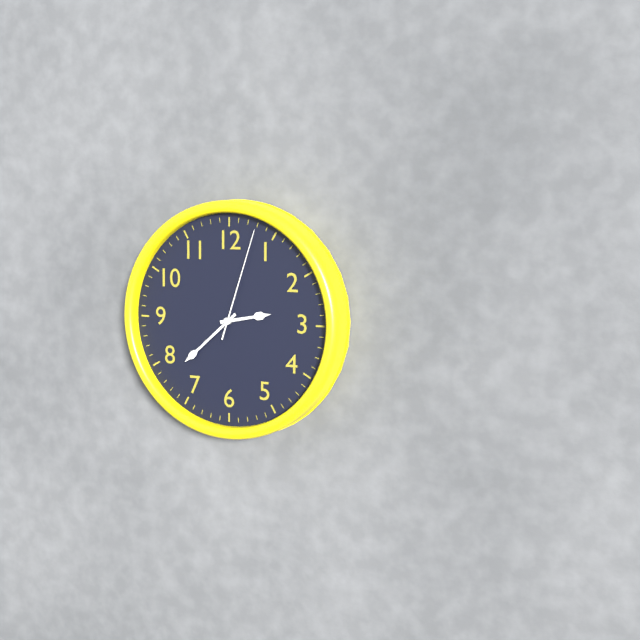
**2:38:03**
